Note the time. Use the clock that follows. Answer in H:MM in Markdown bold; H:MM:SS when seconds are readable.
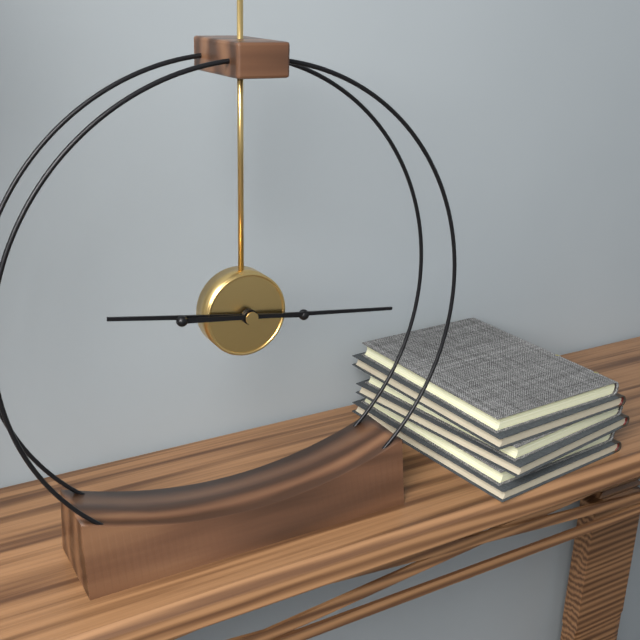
**9:16**
